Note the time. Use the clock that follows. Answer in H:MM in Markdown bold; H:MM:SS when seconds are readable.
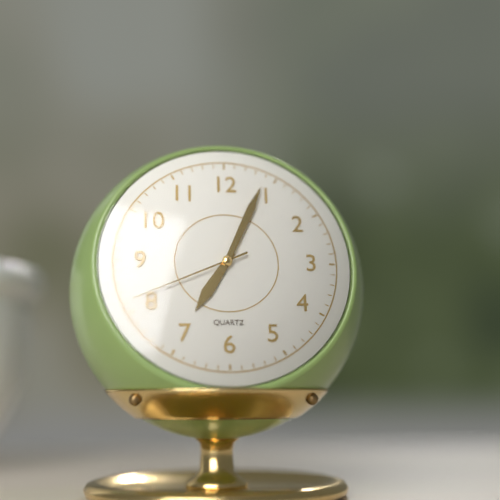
**7:04:41**
